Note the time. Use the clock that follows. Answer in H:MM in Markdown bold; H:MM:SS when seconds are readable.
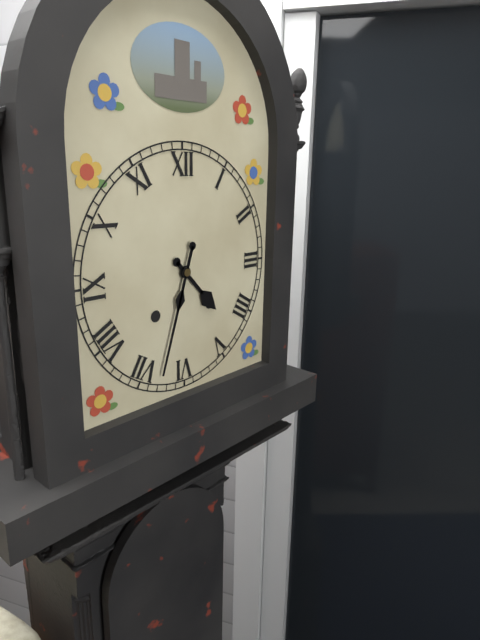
**4:33**
